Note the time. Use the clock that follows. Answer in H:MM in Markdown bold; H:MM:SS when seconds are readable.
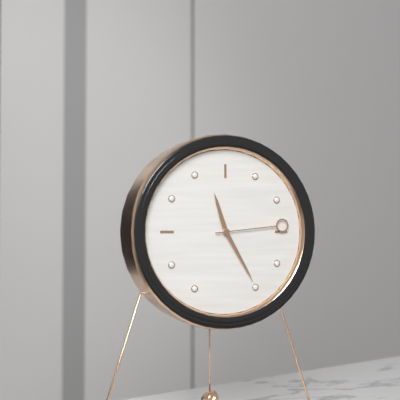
**11:25:14**
